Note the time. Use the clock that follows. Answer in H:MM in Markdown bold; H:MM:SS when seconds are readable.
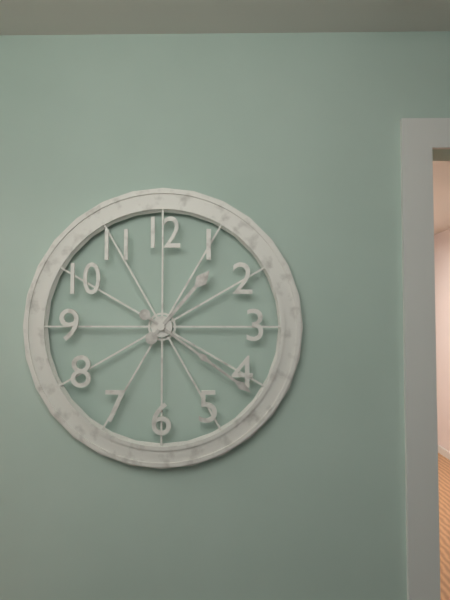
**1:21**
